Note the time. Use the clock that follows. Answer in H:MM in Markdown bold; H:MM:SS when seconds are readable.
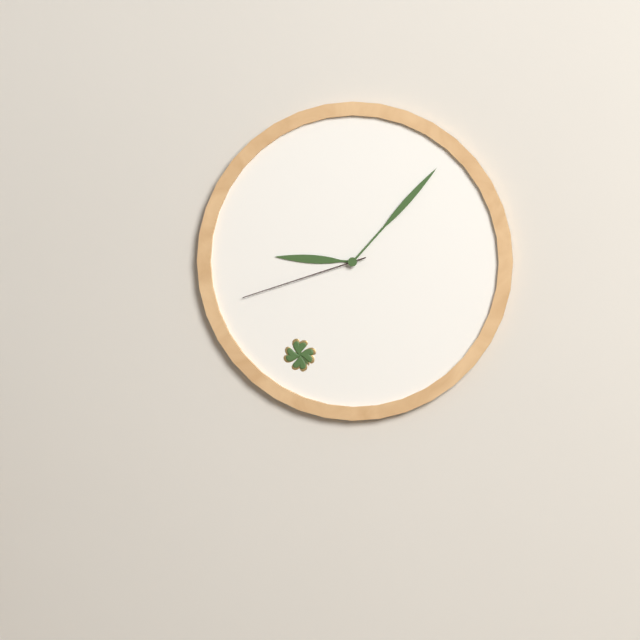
**9:07:42**
